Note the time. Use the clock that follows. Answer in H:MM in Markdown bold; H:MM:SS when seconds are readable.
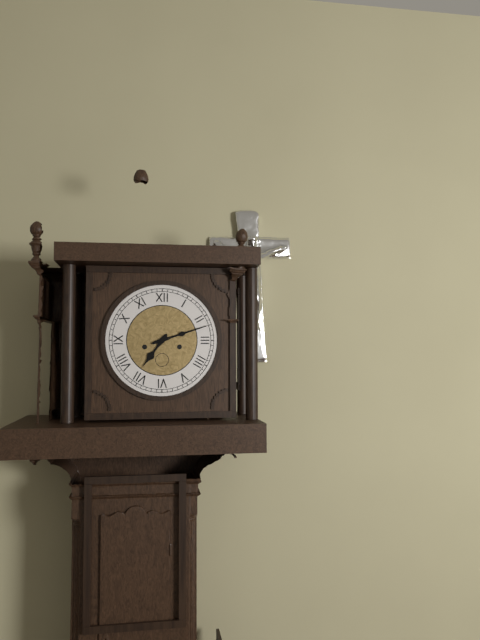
**7:12**
